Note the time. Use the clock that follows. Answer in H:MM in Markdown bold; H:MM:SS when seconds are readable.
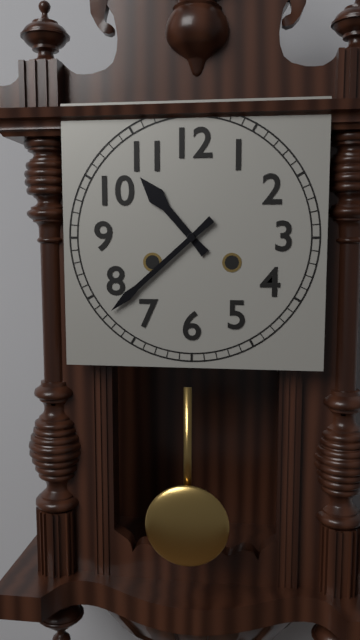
**10:38**
